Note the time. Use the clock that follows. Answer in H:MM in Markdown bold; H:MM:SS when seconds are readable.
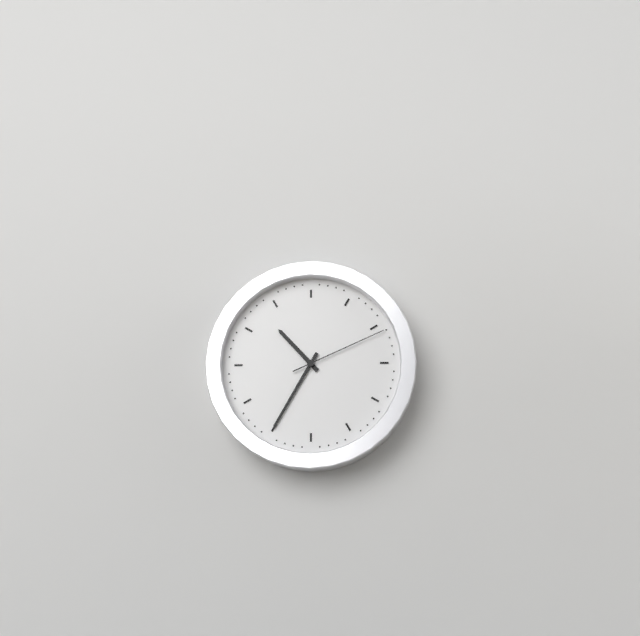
**10:35:11**
